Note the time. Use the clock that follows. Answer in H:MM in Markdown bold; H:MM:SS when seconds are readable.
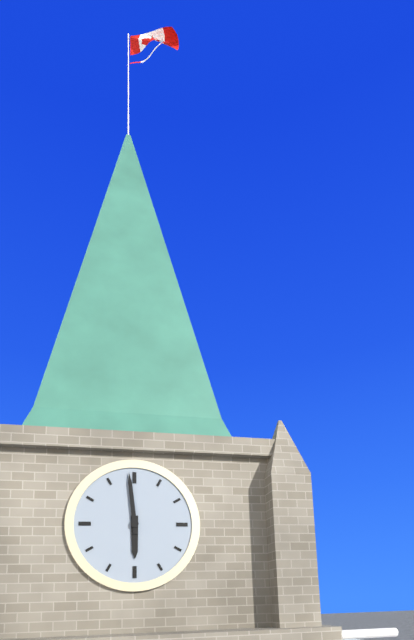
**5:59**
